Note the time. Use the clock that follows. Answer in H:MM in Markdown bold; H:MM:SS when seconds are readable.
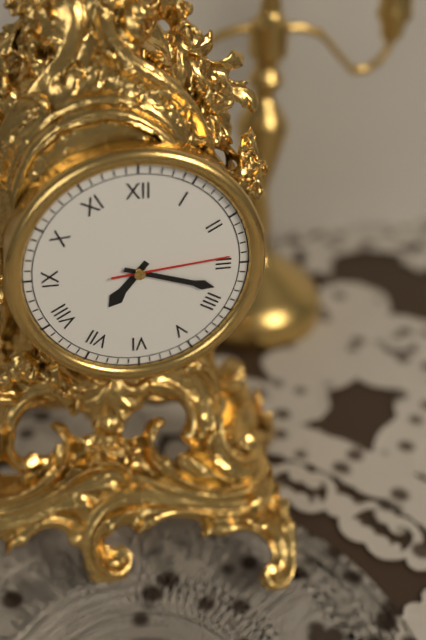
**7:18:14**
